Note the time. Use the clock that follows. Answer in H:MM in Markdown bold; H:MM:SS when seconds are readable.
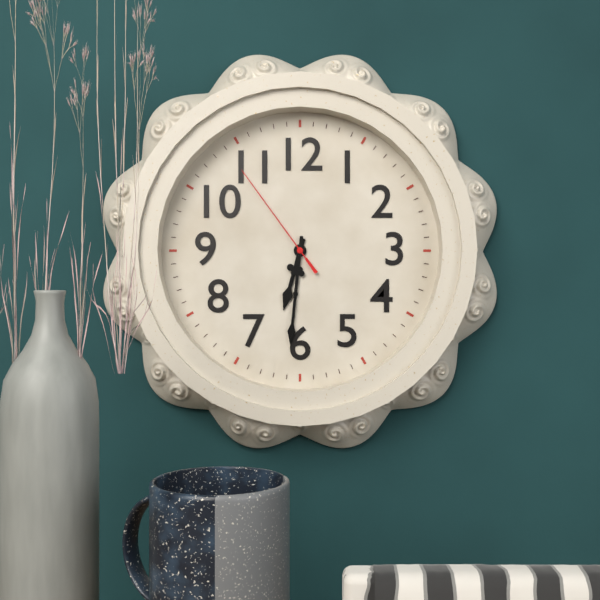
**6:31:54**
